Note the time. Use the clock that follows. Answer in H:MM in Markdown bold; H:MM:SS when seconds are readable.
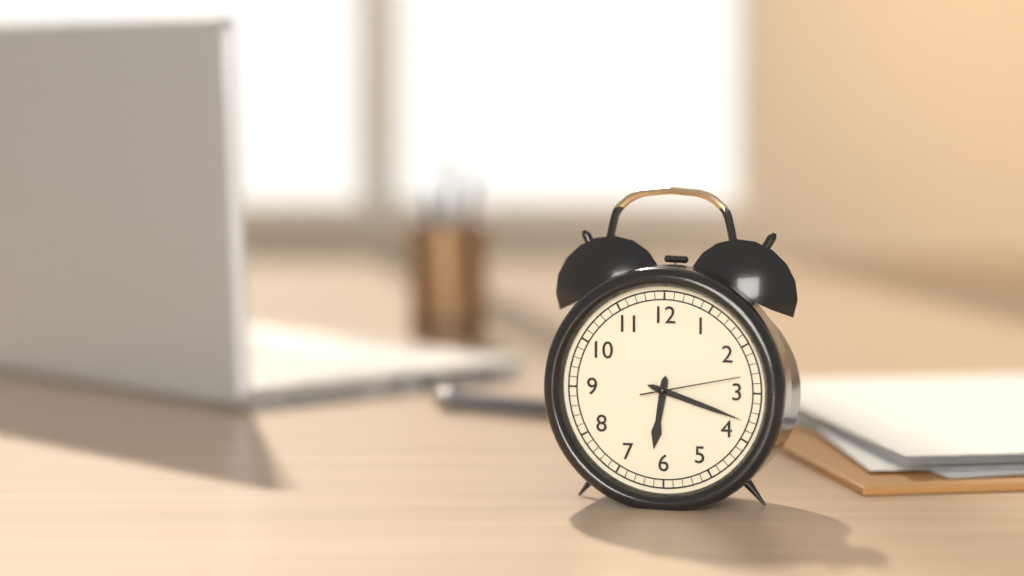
**6:18:13**
